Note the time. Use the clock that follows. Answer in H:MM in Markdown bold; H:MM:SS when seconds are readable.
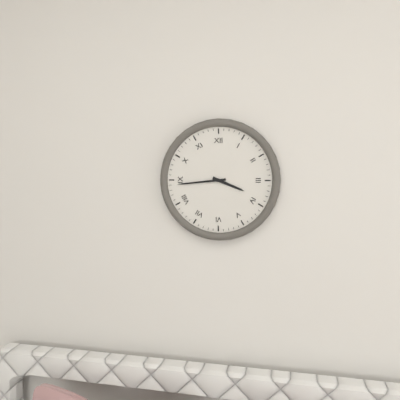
**3:44**
